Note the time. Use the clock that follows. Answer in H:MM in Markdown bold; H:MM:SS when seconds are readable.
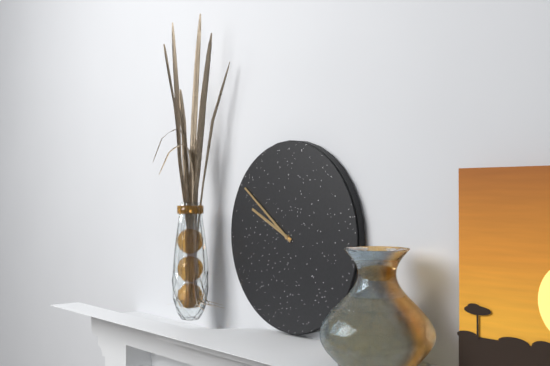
**9:51**
